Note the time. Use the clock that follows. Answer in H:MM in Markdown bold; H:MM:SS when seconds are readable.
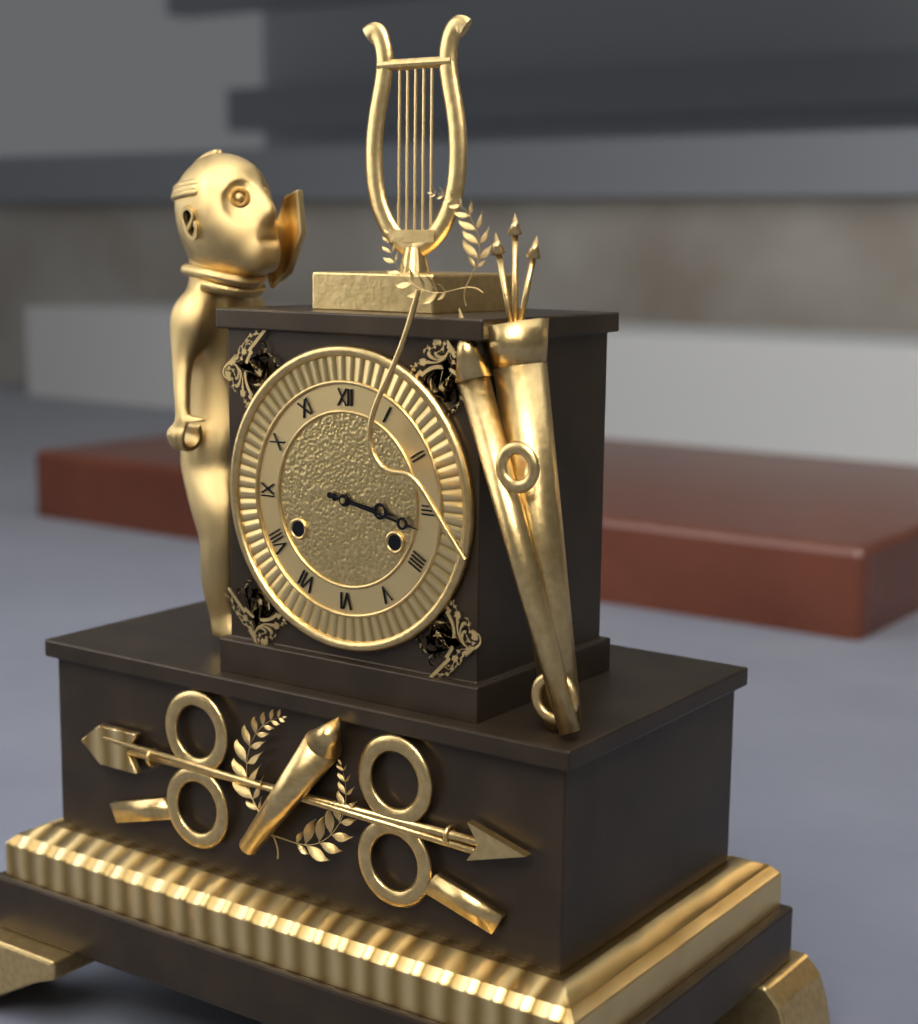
**3:17**
